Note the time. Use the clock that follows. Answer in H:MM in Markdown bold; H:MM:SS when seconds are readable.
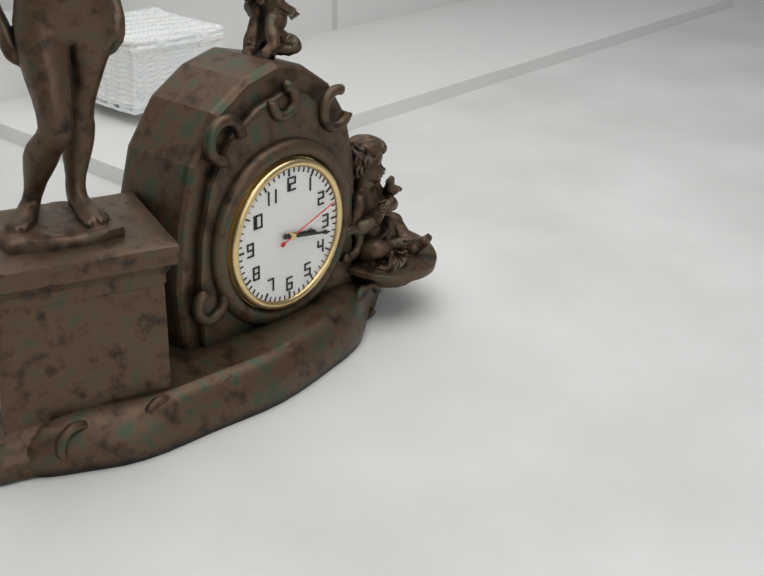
**3:17:12**
